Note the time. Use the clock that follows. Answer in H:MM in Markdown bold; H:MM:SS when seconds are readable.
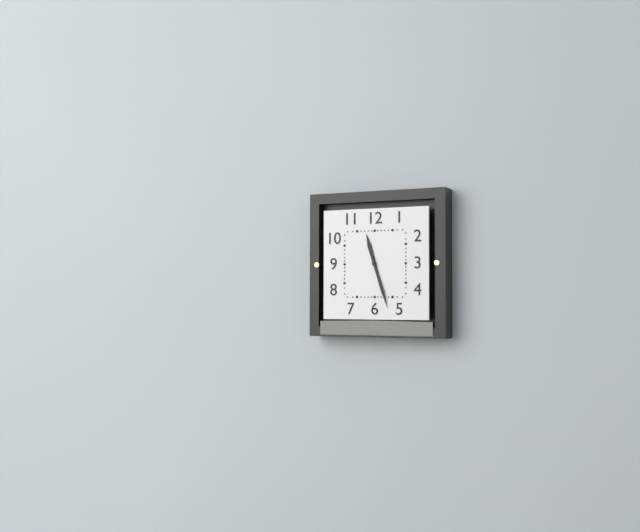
**11:27**
